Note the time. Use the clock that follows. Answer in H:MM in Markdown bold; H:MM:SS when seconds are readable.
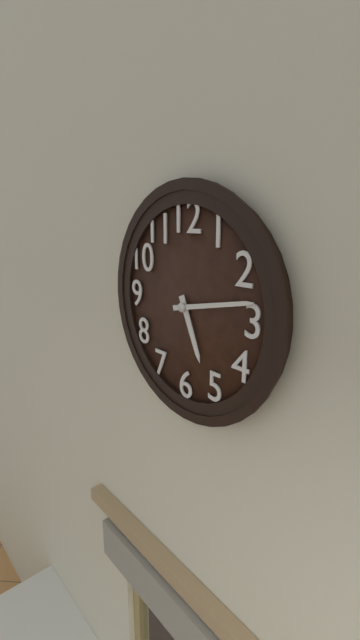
**5:13**
